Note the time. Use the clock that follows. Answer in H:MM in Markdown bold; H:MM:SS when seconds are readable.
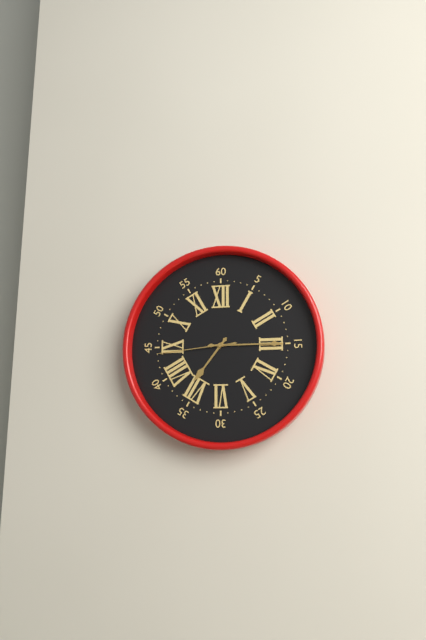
**7:15:44**
